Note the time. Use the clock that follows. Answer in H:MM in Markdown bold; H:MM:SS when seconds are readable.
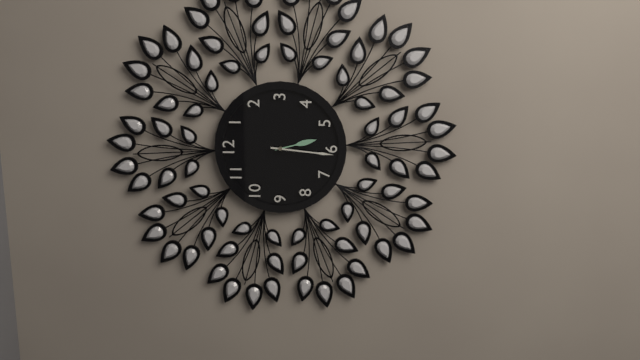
**5:31**
